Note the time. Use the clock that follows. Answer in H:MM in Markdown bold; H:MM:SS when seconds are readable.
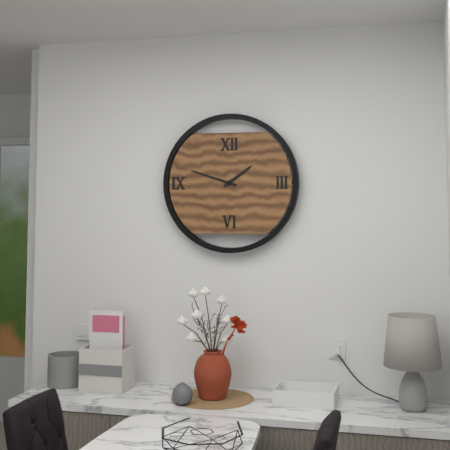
**1:48**
